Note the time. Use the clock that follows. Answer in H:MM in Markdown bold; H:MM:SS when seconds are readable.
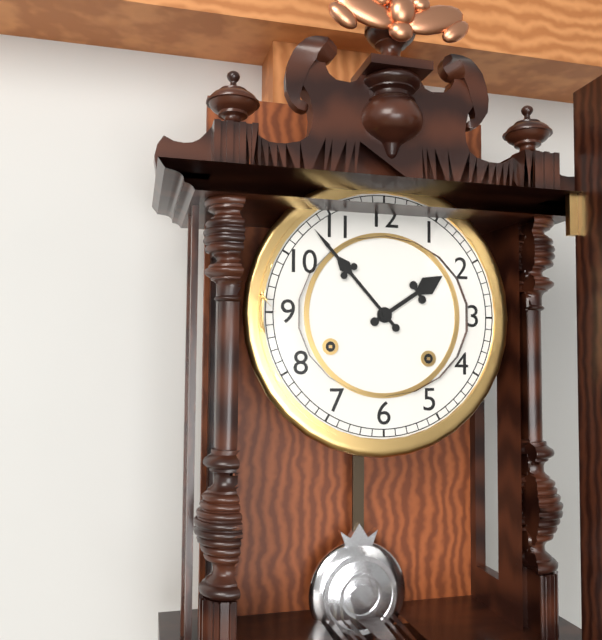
**1:53**
